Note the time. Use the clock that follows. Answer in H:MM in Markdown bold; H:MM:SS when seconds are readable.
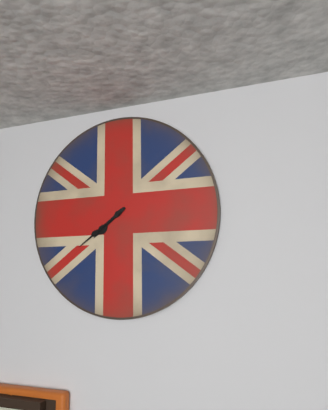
**7:39**
